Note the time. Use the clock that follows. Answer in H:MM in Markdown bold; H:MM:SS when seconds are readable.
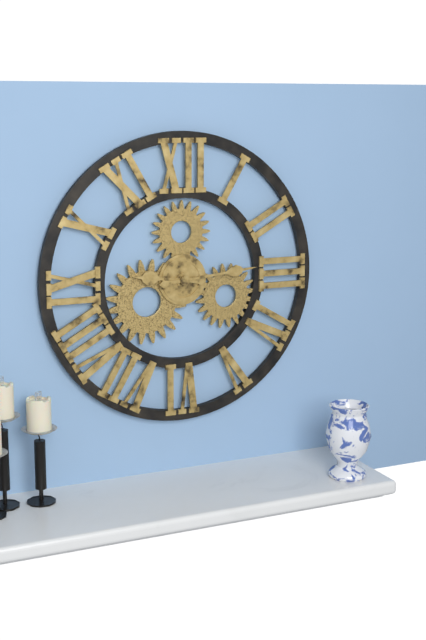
**9:14**
